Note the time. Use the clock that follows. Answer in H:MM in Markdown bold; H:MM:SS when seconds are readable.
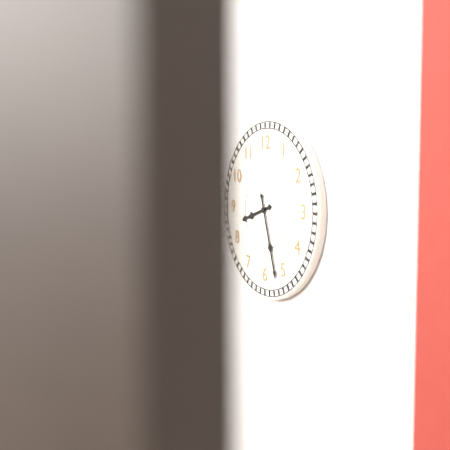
**8:27**
